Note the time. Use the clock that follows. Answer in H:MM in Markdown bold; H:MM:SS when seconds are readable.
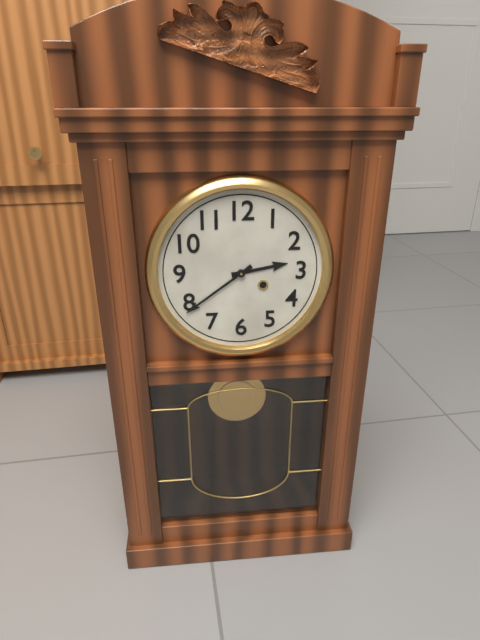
**2:39**
